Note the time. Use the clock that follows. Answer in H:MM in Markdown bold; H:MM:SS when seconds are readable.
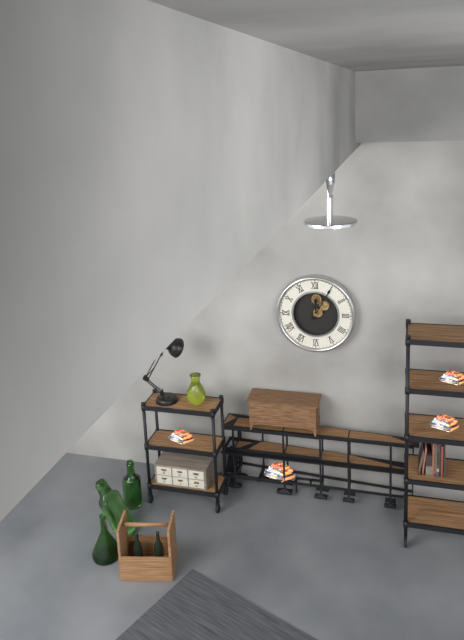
**12:05**
